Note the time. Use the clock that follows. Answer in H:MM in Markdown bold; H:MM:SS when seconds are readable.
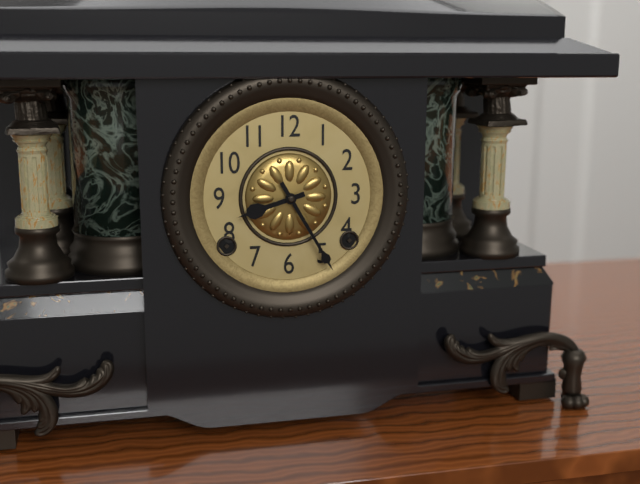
**8:25**
